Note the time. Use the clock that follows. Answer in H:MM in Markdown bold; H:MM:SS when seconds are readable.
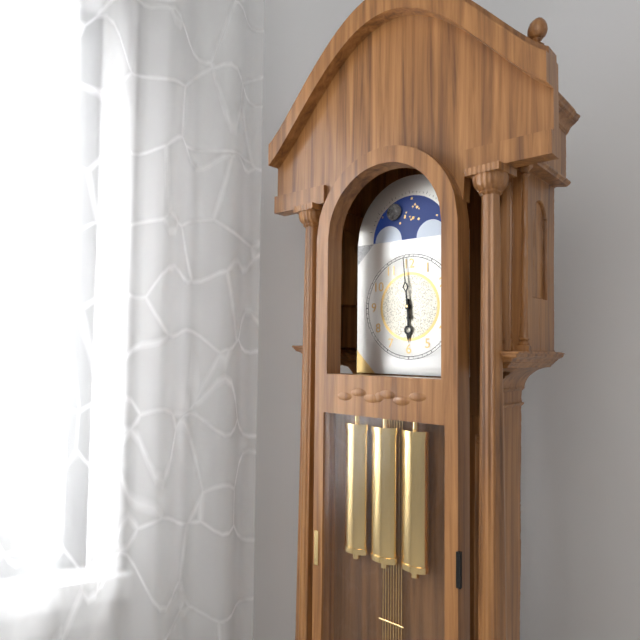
**5:59**
